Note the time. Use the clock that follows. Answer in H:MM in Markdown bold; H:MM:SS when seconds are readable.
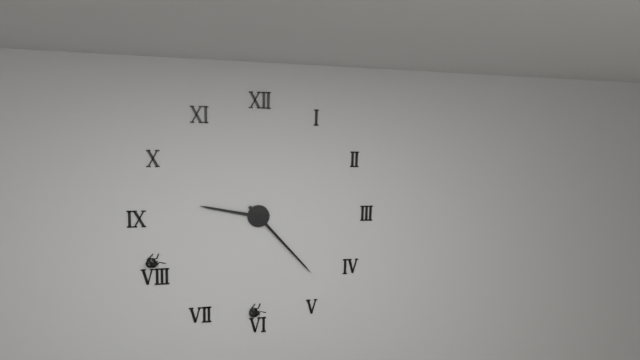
**9:23**
